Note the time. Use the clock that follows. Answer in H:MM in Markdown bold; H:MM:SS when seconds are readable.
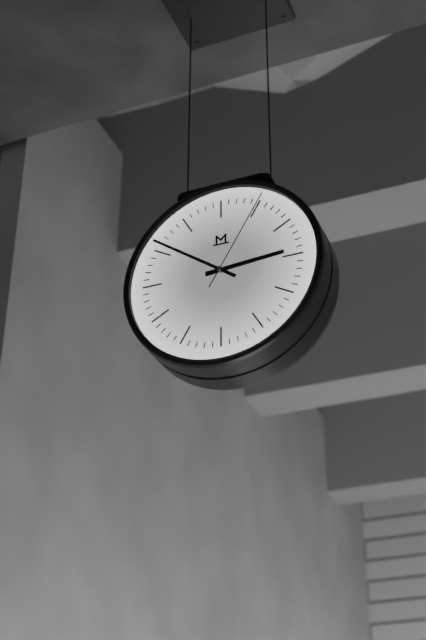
**2:51:05**
